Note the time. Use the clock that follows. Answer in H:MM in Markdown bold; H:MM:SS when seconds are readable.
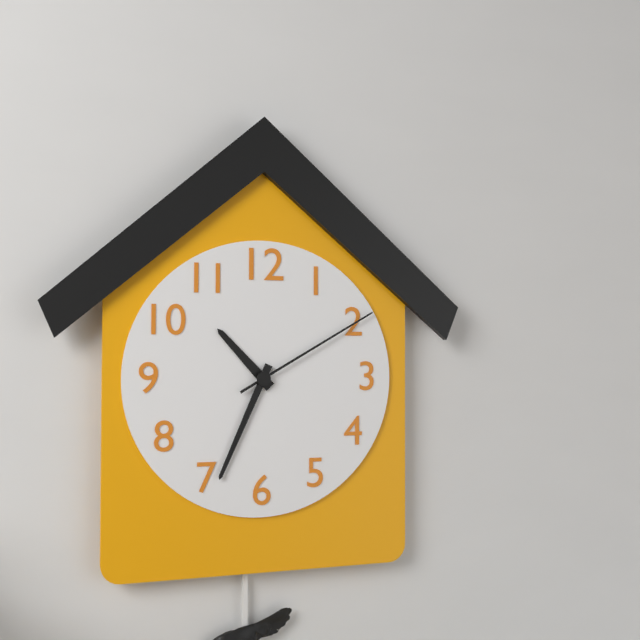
**10:34:10**
